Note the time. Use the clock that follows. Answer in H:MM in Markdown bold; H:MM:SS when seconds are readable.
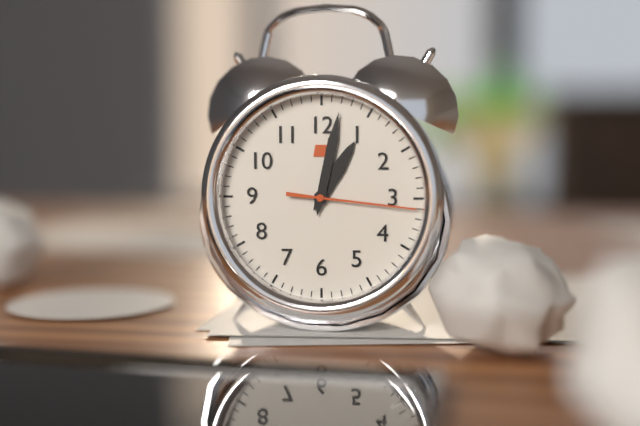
**1:02:16**
